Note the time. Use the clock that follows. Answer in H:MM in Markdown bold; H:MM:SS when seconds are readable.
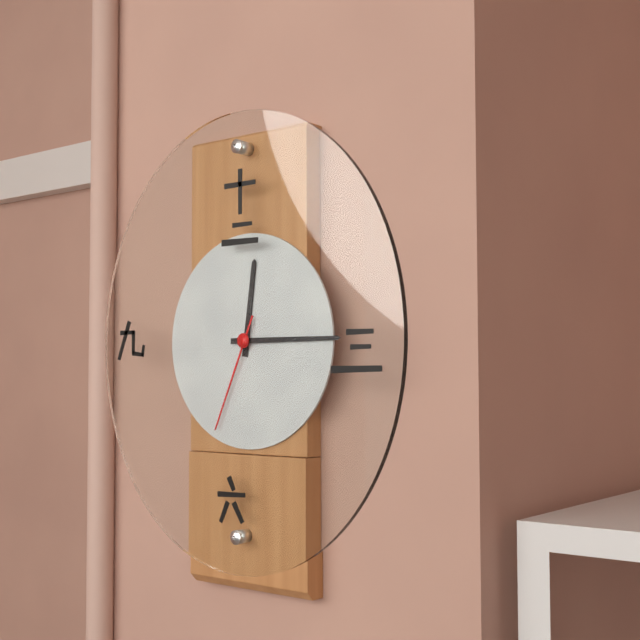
**12:15:34**
